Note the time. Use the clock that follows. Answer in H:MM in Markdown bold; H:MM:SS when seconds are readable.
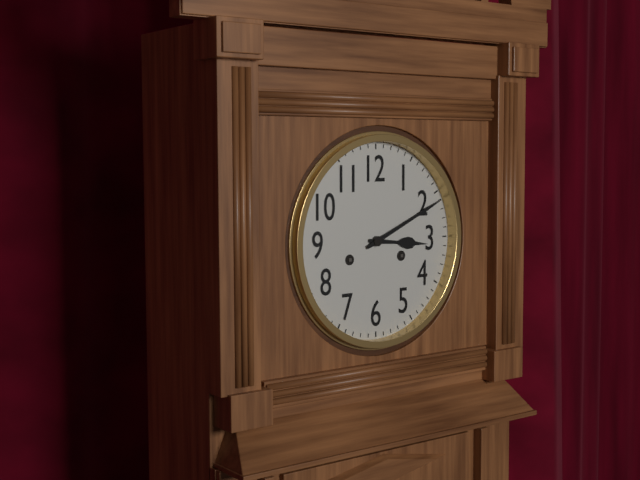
**3:11**
